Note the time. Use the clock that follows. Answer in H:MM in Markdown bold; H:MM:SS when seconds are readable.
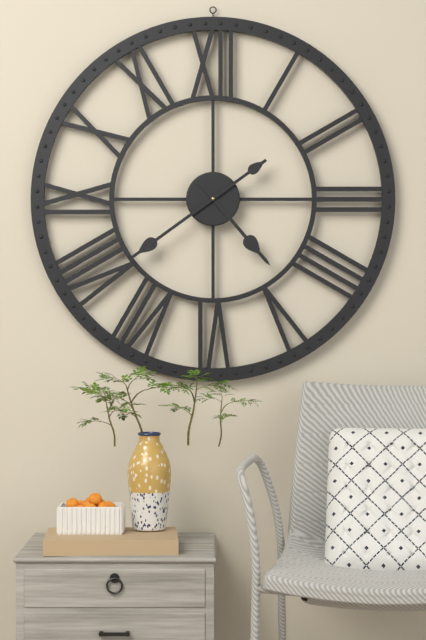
**4:39**
